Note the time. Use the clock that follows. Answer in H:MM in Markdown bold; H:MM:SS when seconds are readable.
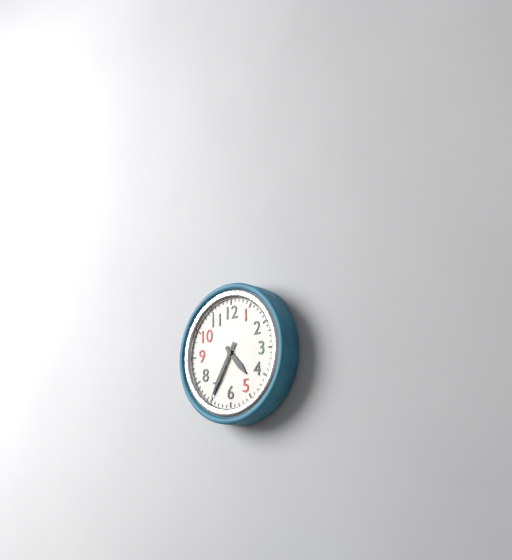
**4:35**
